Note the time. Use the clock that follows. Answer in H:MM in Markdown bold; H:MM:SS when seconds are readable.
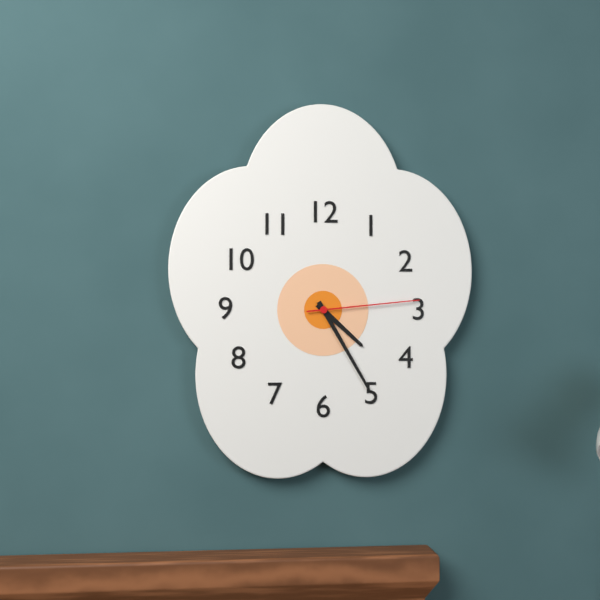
**4:25:14**
